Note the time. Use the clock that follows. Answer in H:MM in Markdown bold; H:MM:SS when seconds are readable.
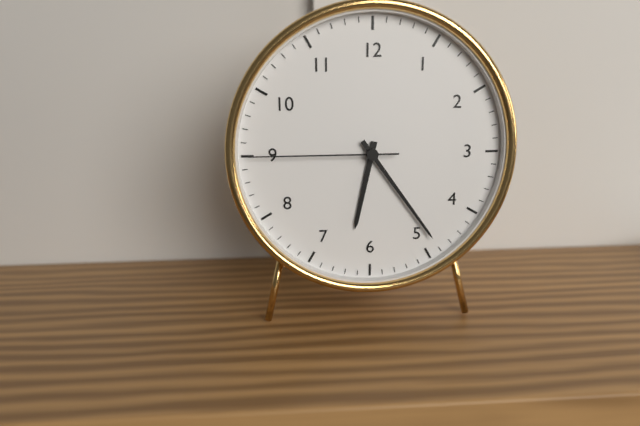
**6:24:45**
